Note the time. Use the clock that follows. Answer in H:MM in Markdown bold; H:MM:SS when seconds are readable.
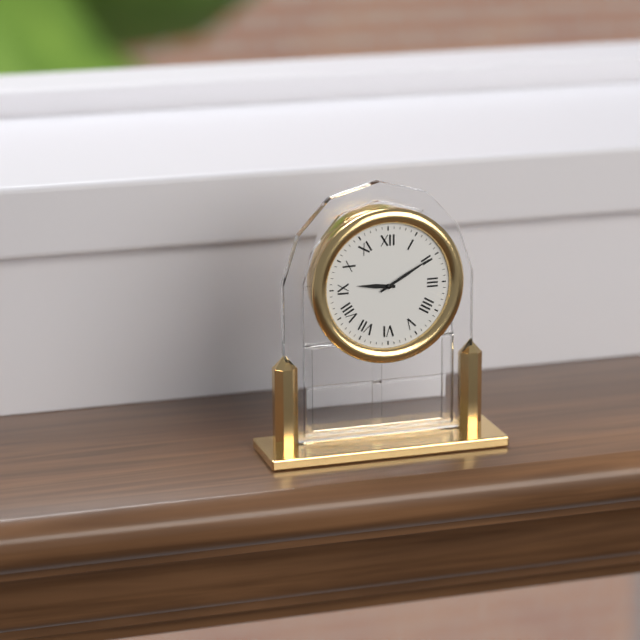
**9:10**
